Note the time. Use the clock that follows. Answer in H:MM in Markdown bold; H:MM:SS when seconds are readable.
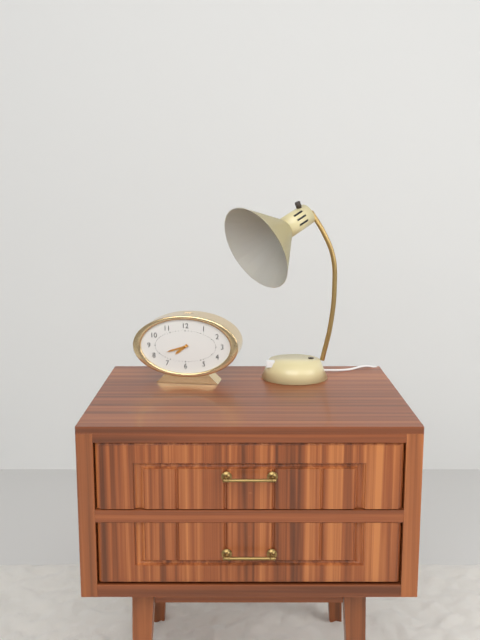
**7:42**
